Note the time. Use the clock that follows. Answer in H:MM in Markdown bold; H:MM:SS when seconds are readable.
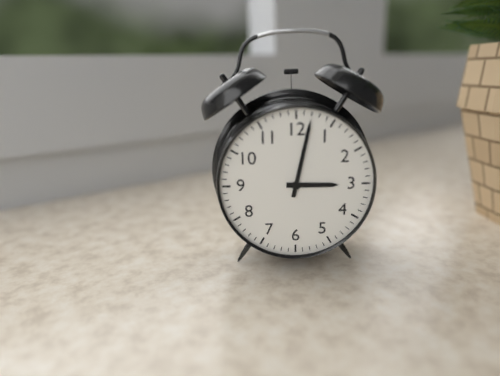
**3:02**
